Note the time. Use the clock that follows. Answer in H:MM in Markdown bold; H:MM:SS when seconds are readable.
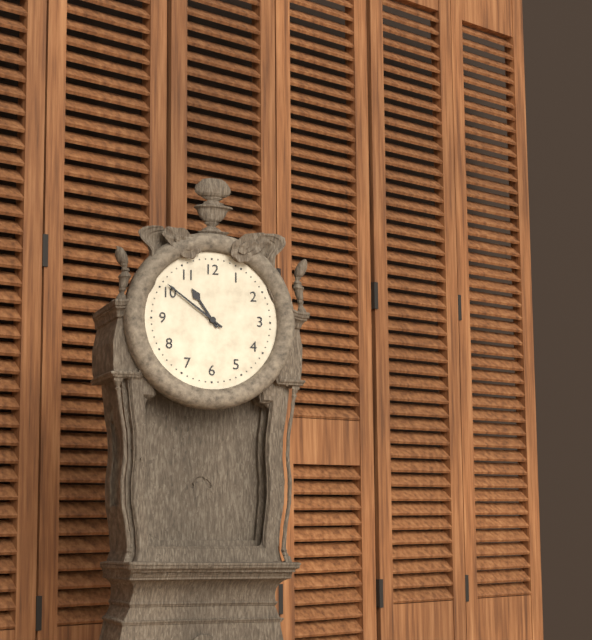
**10:51**
